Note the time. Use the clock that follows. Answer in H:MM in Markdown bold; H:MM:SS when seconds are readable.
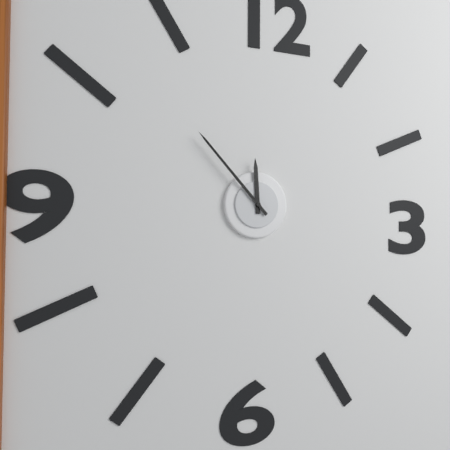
**11:53**
